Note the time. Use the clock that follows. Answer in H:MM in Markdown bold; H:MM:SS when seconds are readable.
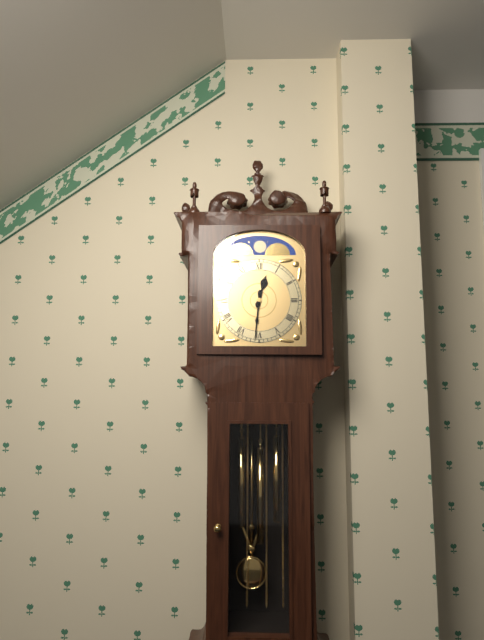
**12:31**
